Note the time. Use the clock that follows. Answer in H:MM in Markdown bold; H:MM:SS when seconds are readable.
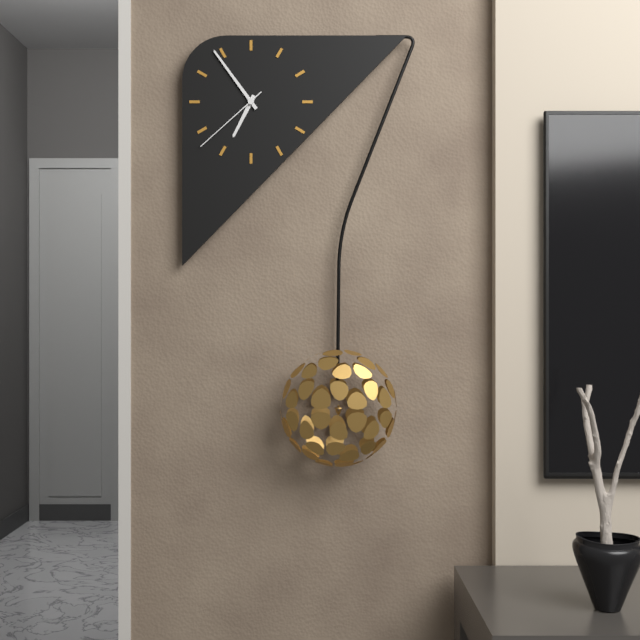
**6:54:38**
